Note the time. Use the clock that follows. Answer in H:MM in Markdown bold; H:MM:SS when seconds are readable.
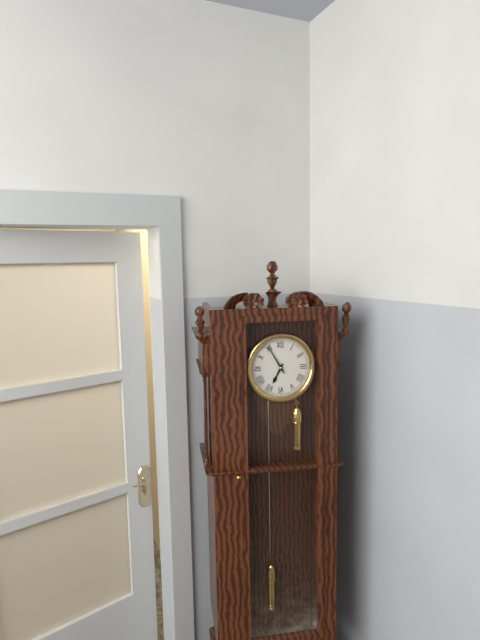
**6:55**
